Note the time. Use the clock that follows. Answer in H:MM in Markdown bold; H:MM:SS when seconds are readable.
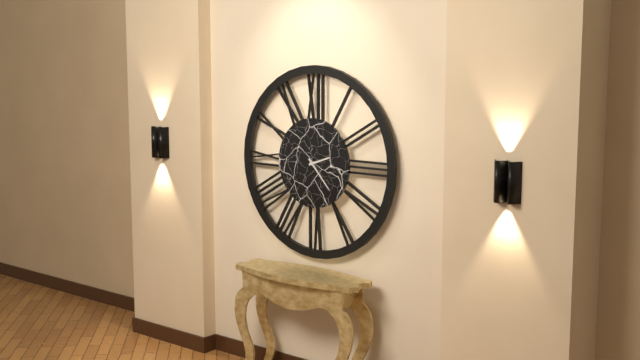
**2:23**
